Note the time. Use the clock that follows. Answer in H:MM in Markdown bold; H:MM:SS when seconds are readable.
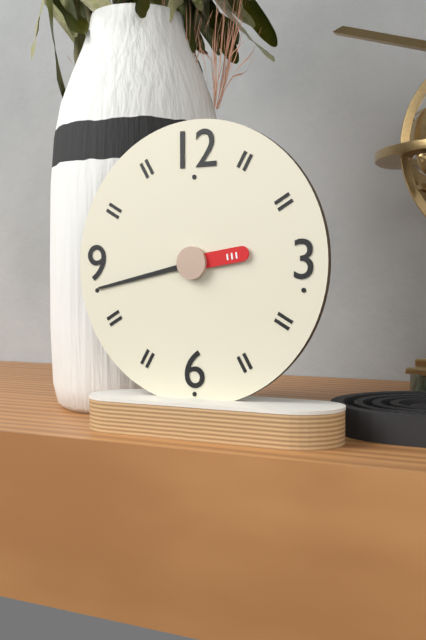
**2:43**
